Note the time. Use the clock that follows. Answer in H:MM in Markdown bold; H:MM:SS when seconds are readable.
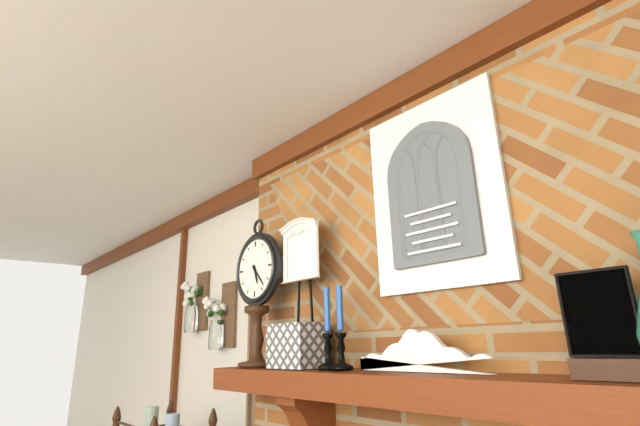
**5:23**
